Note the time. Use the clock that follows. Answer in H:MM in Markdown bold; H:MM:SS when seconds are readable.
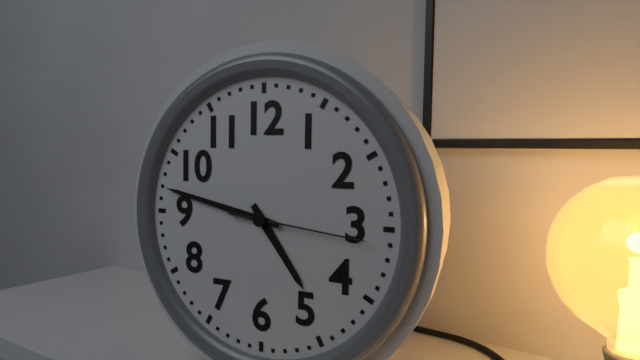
**4:47:16**
